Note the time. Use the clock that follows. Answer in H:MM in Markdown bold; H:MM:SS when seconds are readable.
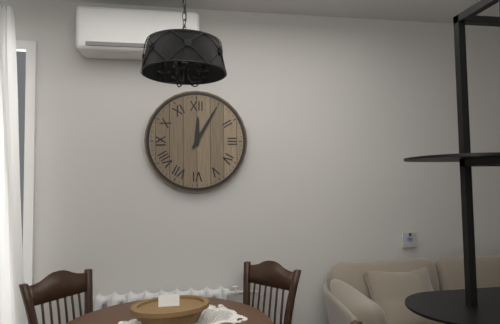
**12:05**
